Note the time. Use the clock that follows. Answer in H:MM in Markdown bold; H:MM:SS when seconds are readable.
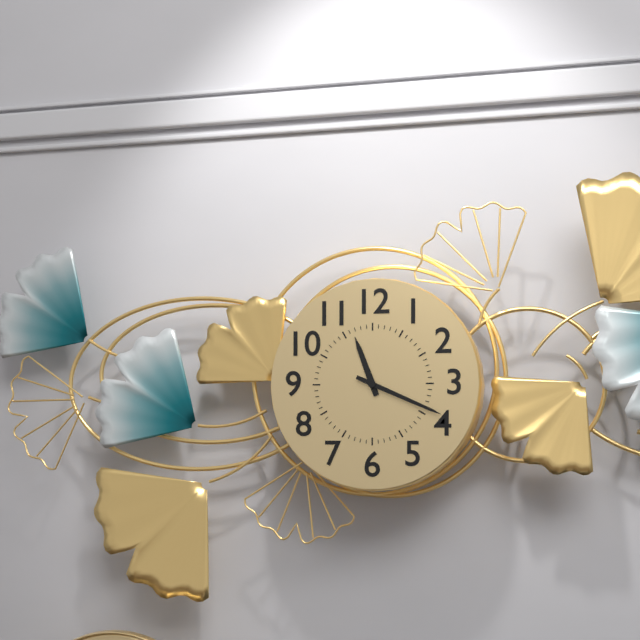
**11:19**
